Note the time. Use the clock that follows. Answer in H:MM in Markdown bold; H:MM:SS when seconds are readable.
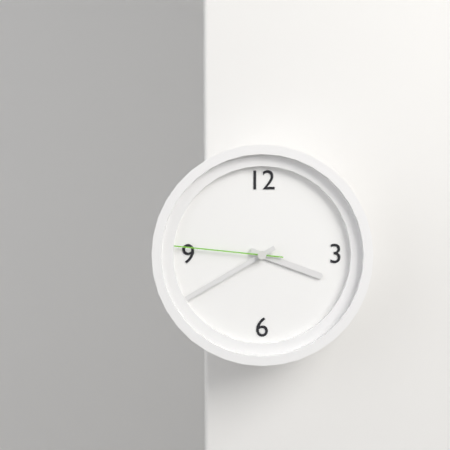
**3:40:46**
